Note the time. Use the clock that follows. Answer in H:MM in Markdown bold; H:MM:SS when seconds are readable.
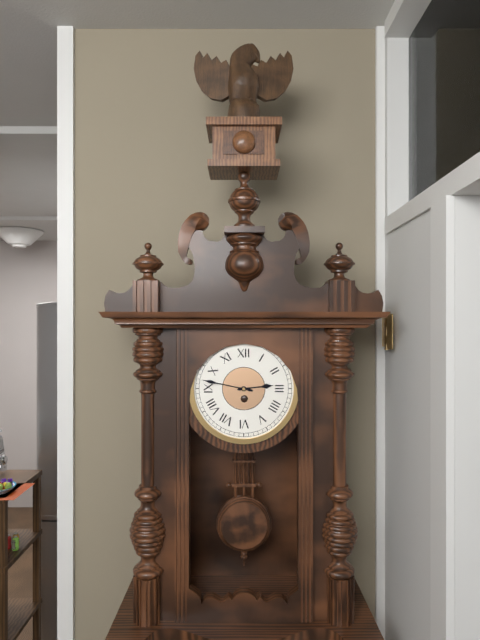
**2:47**
